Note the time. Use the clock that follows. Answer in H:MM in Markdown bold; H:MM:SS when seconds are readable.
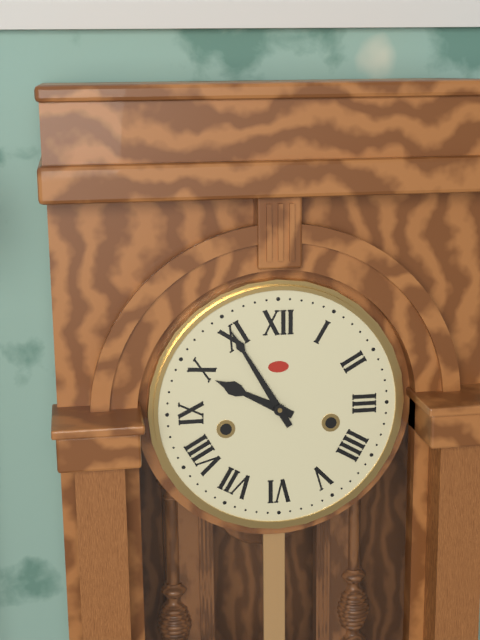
**9:55**
